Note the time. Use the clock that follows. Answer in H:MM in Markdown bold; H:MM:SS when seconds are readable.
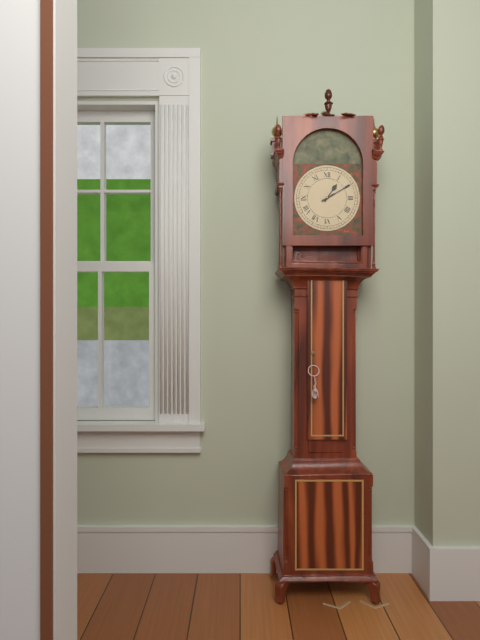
**1:10**
